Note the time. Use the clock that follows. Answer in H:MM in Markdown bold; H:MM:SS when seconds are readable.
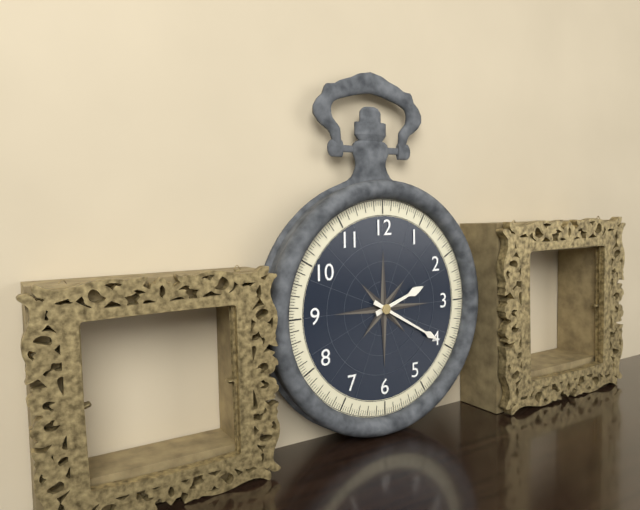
**2:20**
